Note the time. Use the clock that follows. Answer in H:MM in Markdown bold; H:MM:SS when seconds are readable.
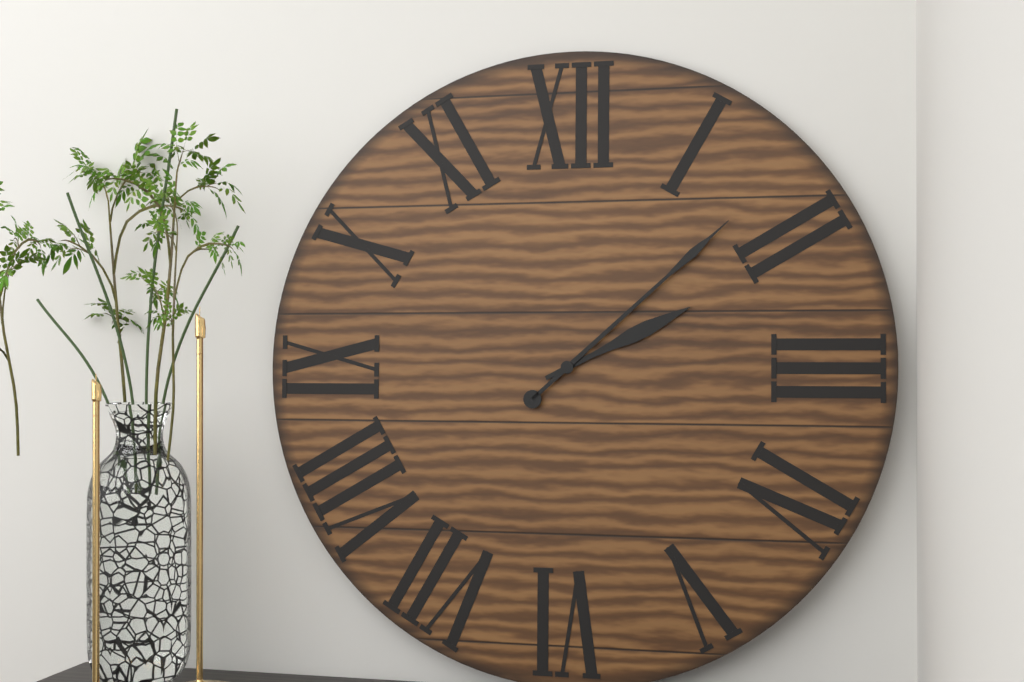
**2:08**
